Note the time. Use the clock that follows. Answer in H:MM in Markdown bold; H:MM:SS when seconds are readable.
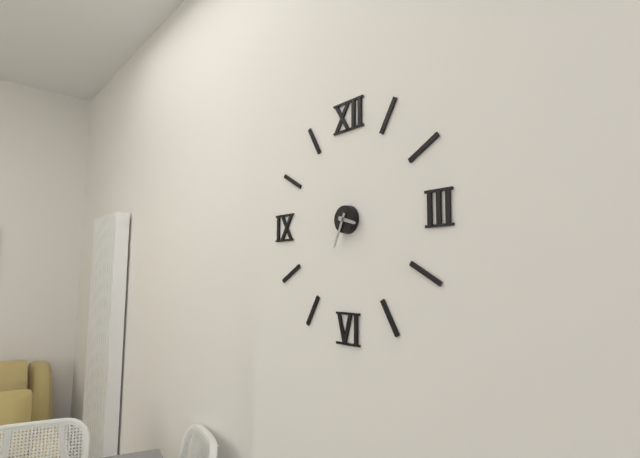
**3:34**
